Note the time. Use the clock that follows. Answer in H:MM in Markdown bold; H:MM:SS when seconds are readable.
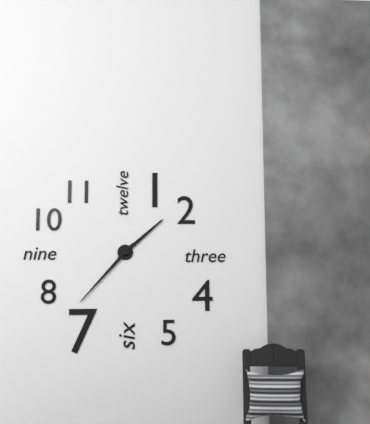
**1:37**
